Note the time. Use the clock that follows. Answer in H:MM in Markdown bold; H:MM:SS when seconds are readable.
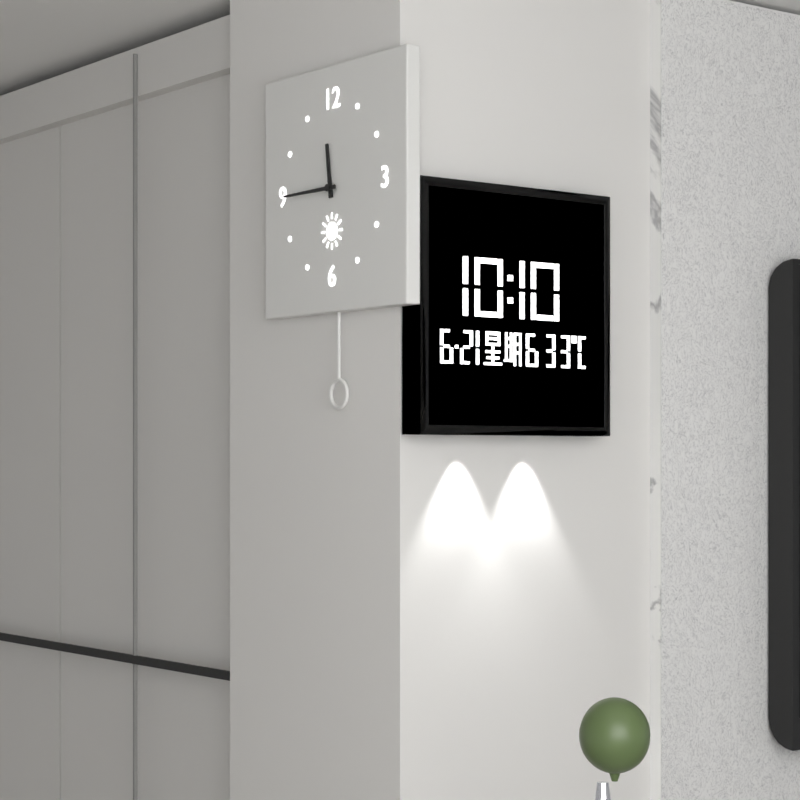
**11:45**
